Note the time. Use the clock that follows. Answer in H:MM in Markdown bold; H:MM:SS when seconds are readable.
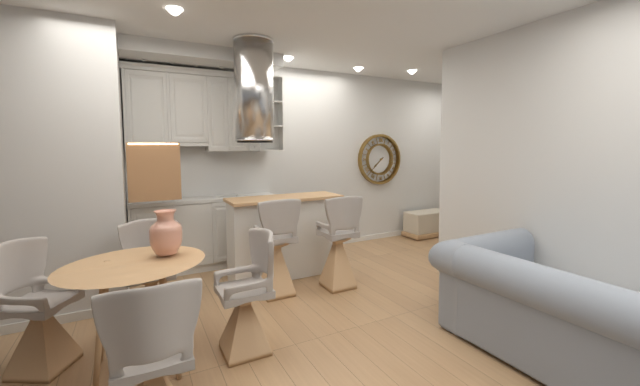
**7:38**
